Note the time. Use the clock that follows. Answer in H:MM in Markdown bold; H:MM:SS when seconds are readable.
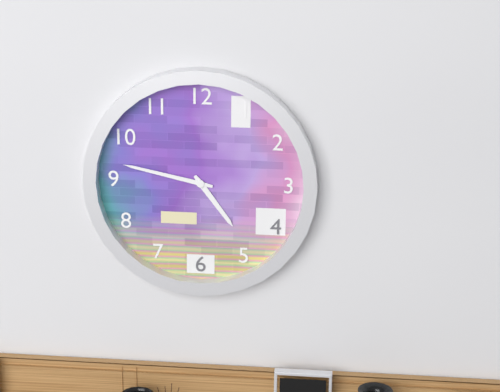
**4:47**
